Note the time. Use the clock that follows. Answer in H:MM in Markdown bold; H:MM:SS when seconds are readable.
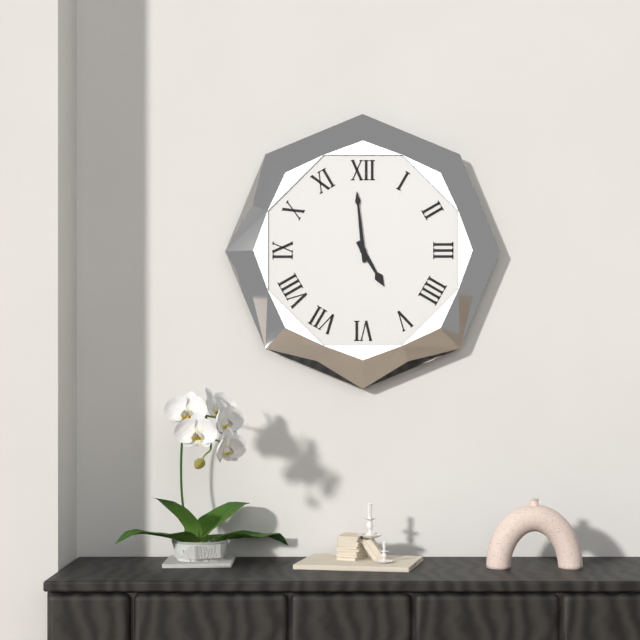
**4:59**
